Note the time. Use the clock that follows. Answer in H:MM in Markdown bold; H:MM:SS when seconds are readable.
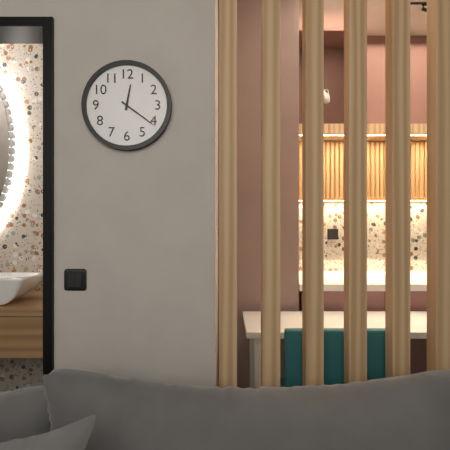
**12:21**
